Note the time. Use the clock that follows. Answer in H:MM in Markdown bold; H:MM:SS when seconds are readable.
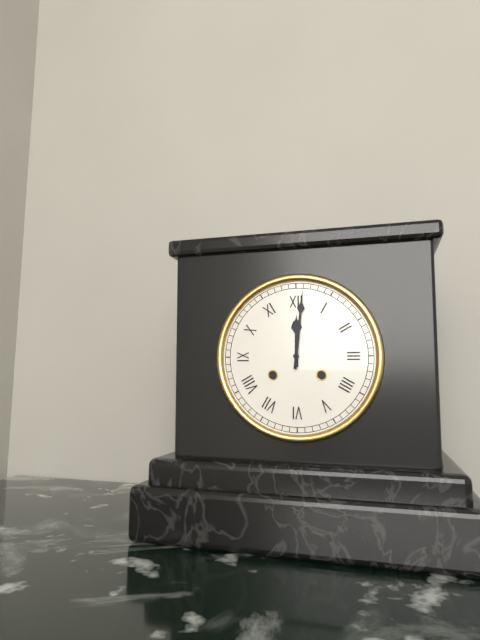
**12:01**
